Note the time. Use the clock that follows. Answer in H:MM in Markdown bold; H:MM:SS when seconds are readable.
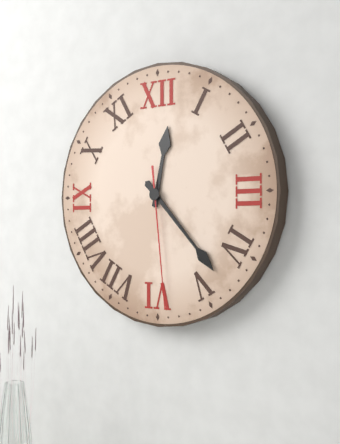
**12:23:29**
